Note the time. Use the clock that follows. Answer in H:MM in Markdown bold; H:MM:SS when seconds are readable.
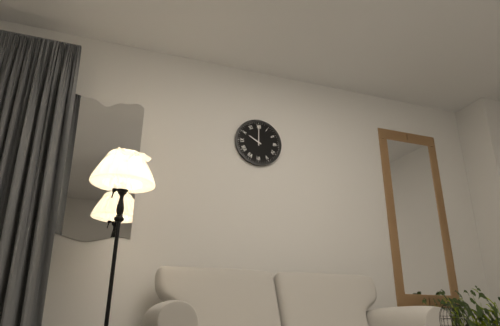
**10:00**
